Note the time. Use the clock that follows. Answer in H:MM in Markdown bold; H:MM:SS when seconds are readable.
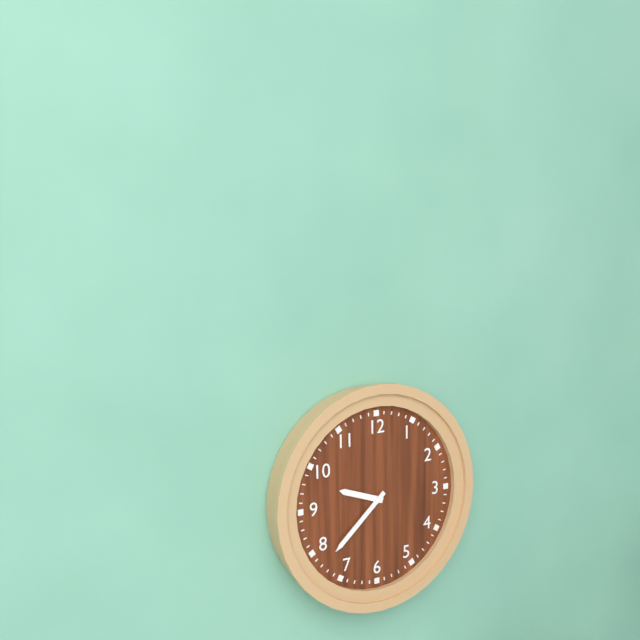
**9:38**
